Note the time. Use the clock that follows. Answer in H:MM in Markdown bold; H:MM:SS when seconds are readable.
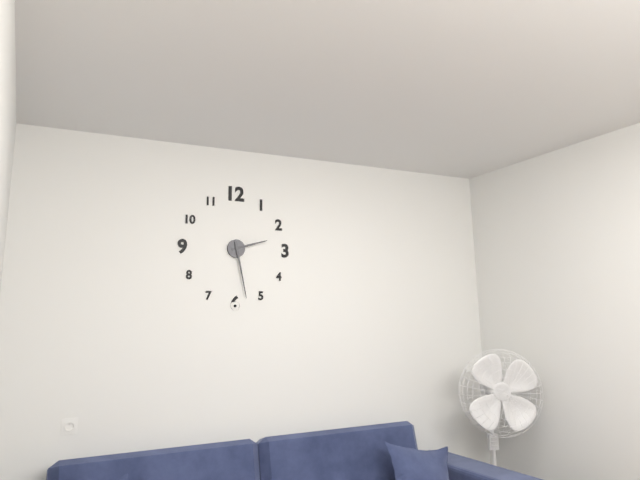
**2:28**
